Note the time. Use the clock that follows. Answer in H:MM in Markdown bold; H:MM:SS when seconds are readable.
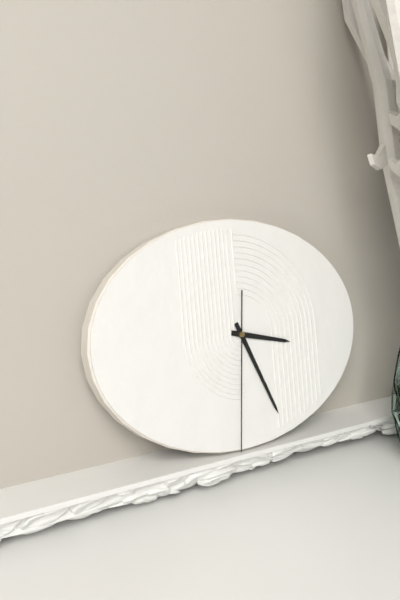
**3:26:31**
